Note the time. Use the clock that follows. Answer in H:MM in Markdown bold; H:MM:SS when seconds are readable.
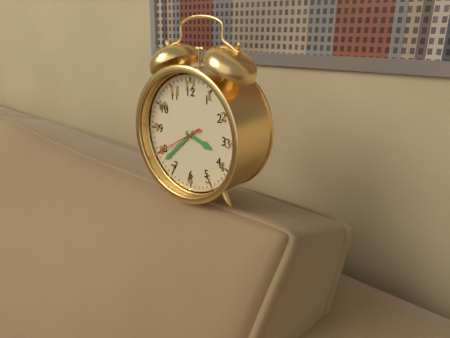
**3:38**
